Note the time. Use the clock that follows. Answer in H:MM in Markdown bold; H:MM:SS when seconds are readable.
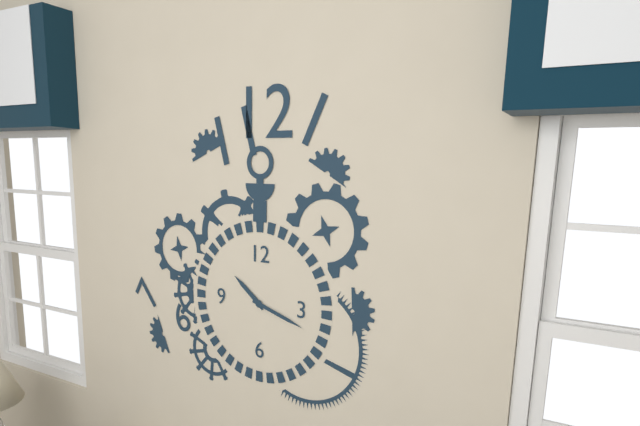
**10:18**
